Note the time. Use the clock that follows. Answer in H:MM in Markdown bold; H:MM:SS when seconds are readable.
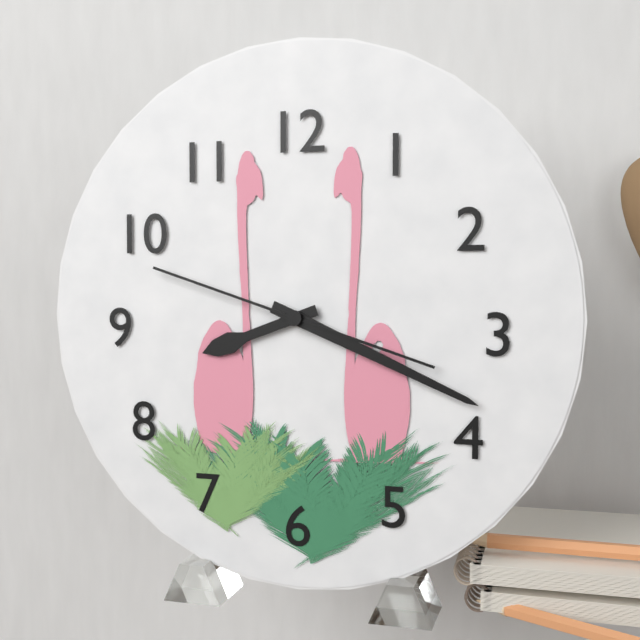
**8:19:48**
